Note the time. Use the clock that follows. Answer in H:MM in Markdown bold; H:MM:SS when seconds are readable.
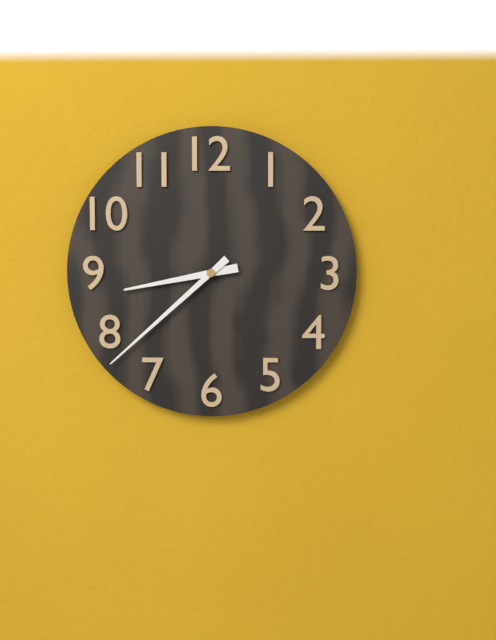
**8:38**
